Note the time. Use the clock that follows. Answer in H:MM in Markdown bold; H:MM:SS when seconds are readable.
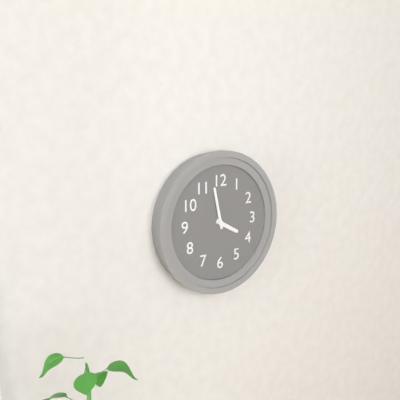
**3:58**
